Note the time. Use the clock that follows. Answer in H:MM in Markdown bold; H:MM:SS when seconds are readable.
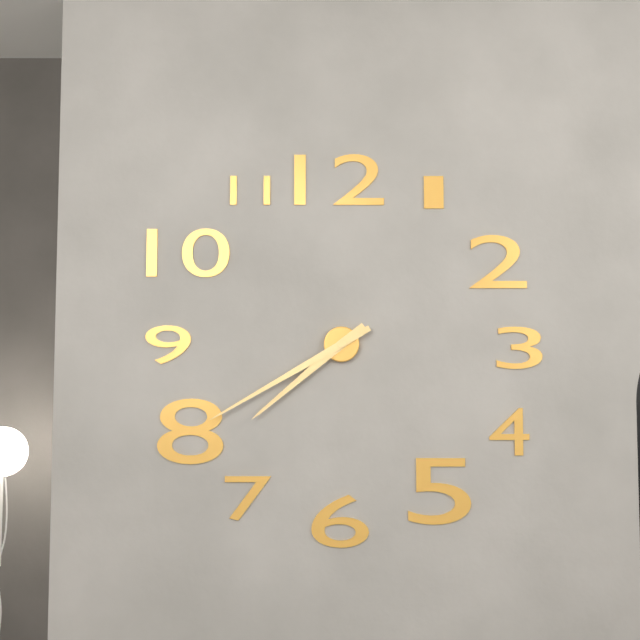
**7:40**
